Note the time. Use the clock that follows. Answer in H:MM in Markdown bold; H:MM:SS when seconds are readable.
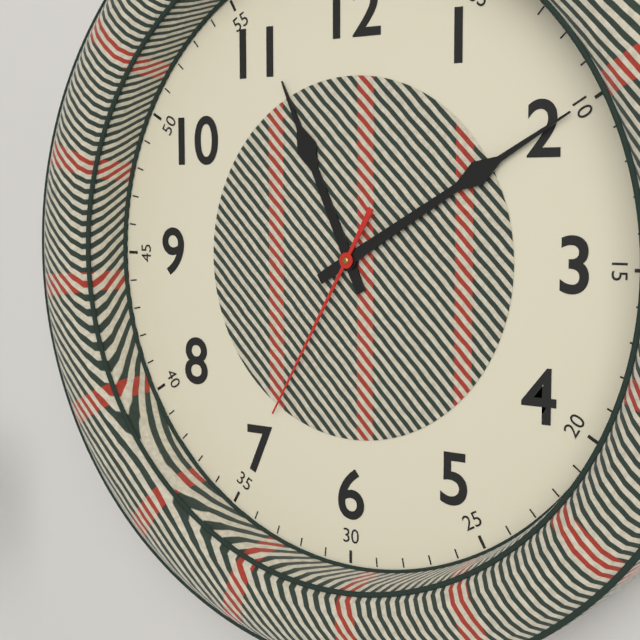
**11:10:35**
